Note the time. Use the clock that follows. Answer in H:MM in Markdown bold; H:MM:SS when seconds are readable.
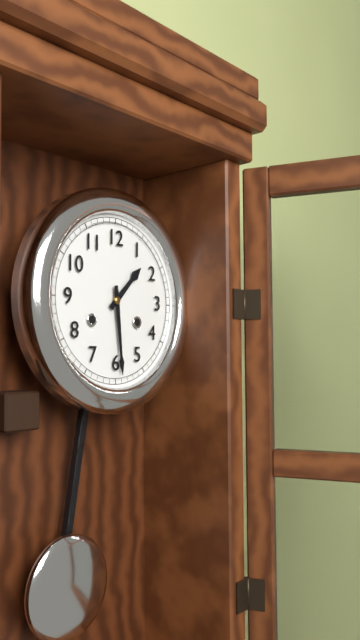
**1:29**
